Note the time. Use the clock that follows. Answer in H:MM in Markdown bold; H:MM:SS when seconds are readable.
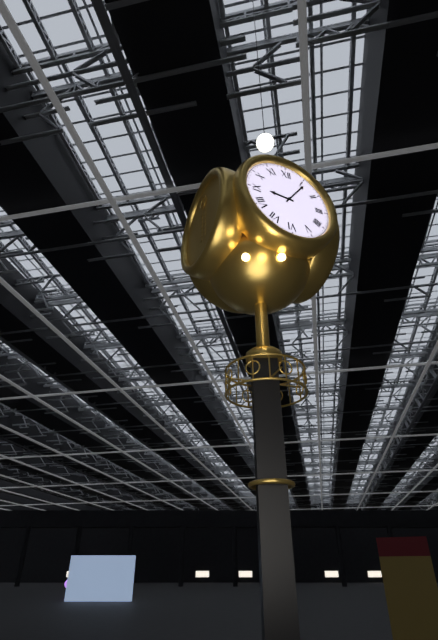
**9:06**
